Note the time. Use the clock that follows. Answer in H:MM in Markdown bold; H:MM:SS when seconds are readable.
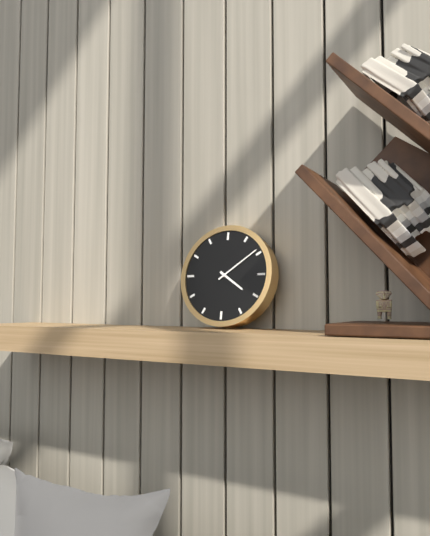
**4:09**
